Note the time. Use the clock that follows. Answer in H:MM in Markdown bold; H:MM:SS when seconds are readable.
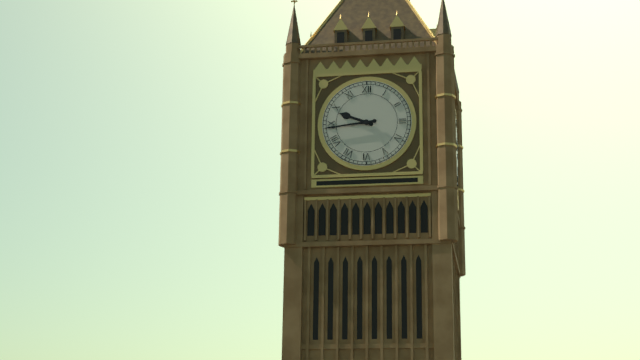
**9:44**
